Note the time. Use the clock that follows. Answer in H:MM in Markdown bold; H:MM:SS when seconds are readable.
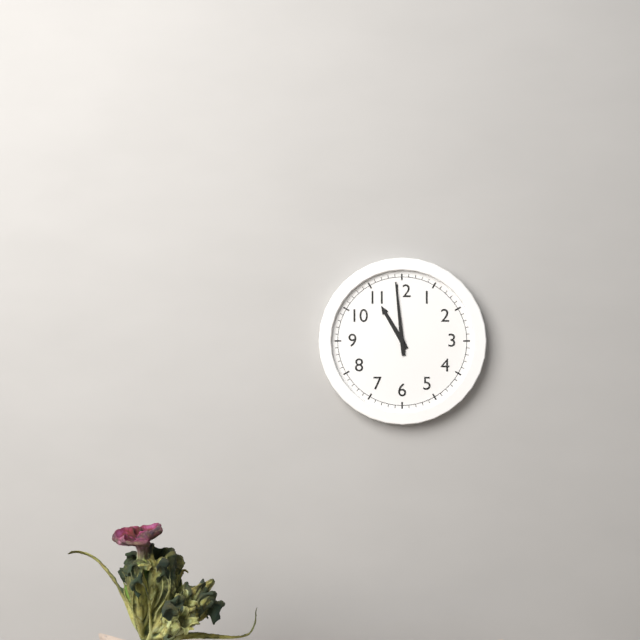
**10:59**
